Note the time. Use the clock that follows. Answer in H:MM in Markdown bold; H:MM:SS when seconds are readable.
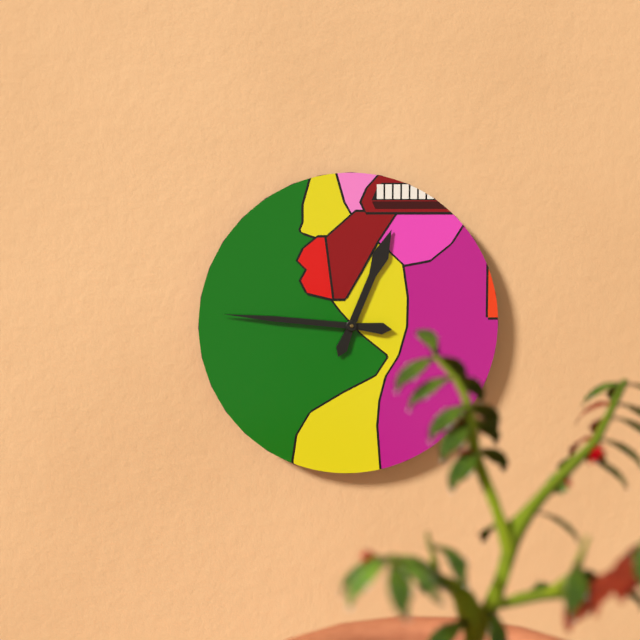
**12:46**
